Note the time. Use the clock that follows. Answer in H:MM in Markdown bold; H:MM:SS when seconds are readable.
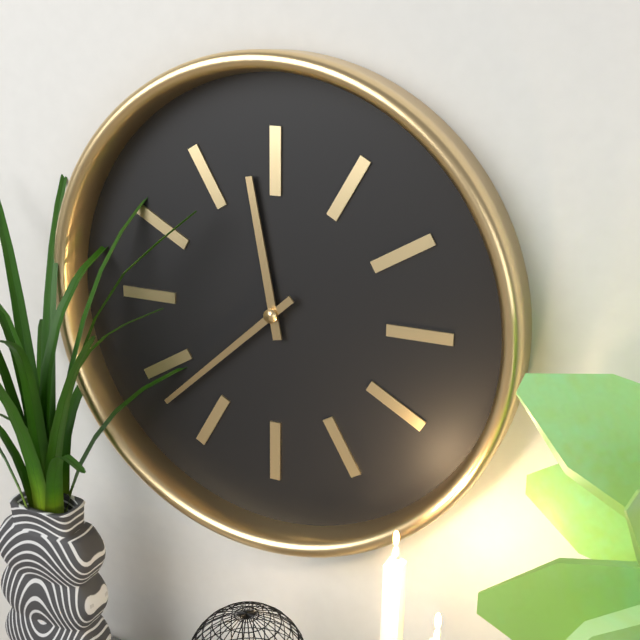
**11:38**
